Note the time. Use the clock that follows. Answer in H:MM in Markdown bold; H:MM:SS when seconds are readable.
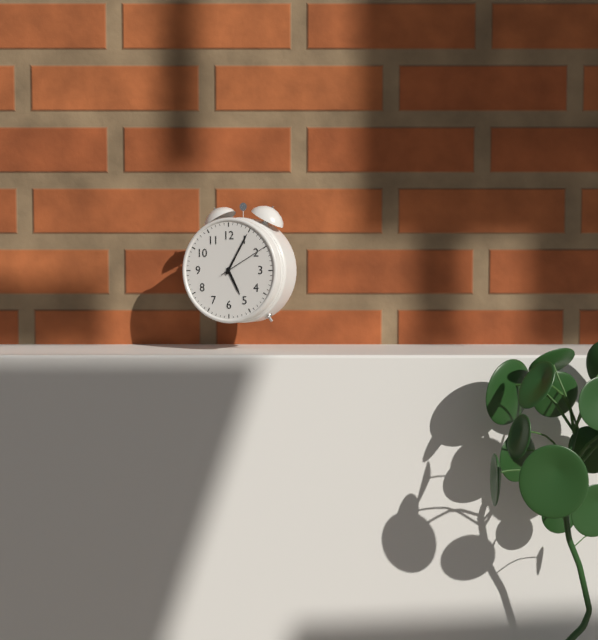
**5:05:10**
